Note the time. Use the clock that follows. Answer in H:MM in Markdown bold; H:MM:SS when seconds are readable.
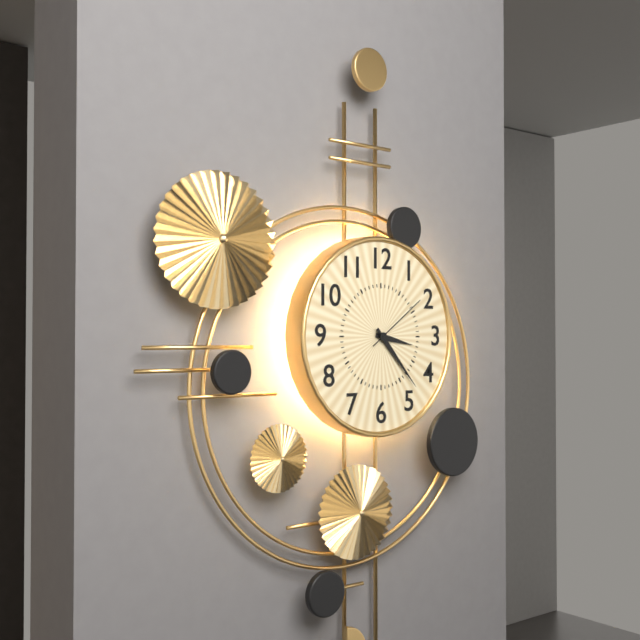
**3:23:09**
